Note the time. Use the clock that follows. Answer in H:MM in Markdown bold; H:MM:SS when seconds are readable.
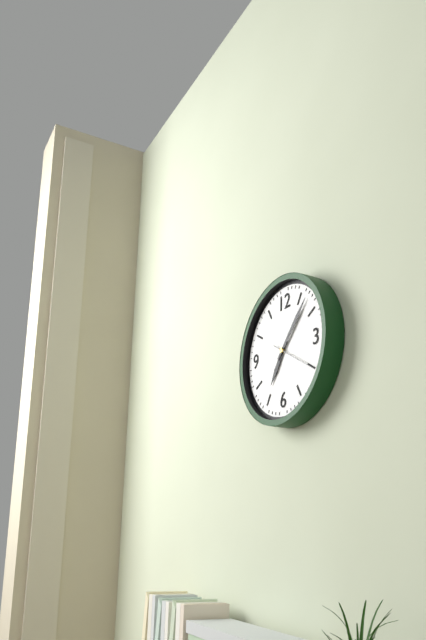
**7:07**
